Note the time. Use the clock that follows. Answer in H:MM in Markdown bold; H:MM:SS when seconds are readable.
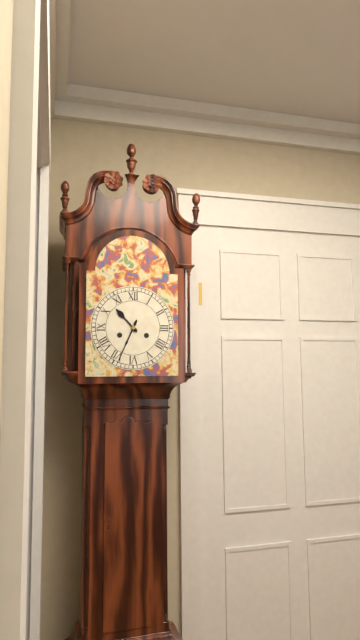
**10:34**
